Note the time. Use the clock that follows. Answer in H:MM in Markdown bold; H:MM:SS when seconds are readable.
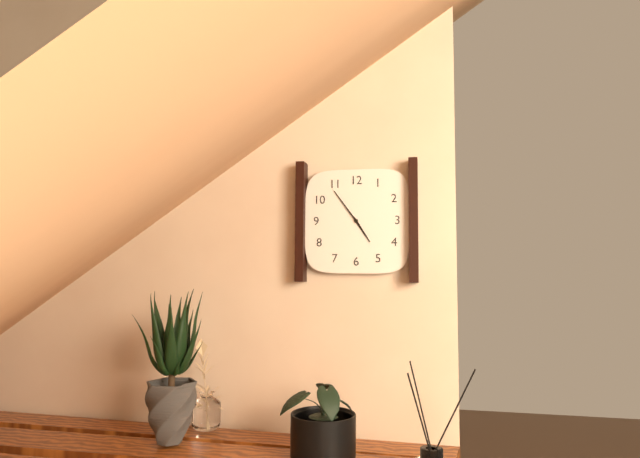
**4:54**
